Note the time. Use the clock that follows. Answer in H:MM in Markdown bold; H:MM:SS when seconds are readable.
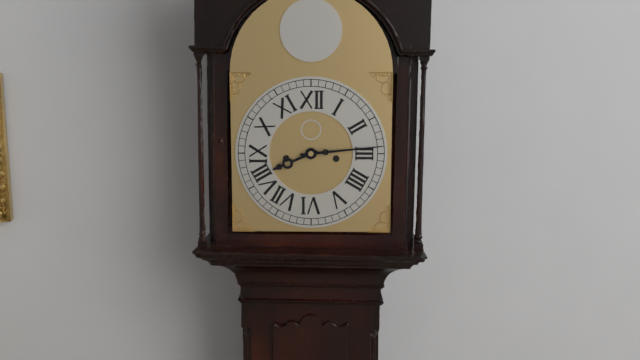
**8:14**
